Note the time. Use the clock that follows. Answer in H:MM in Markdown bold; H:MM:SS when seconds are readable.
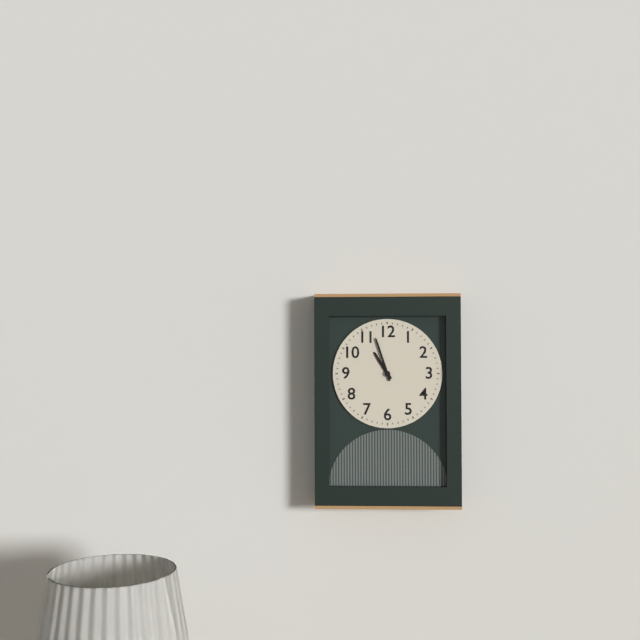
**10:57**
